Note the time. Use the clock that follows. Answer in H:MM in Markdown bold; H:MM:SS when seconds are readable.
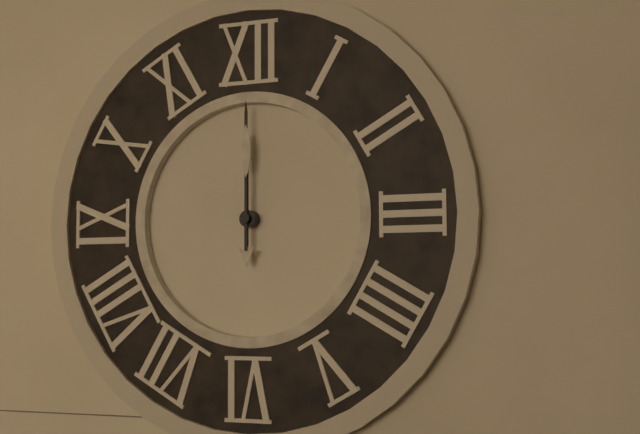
**12:00**
